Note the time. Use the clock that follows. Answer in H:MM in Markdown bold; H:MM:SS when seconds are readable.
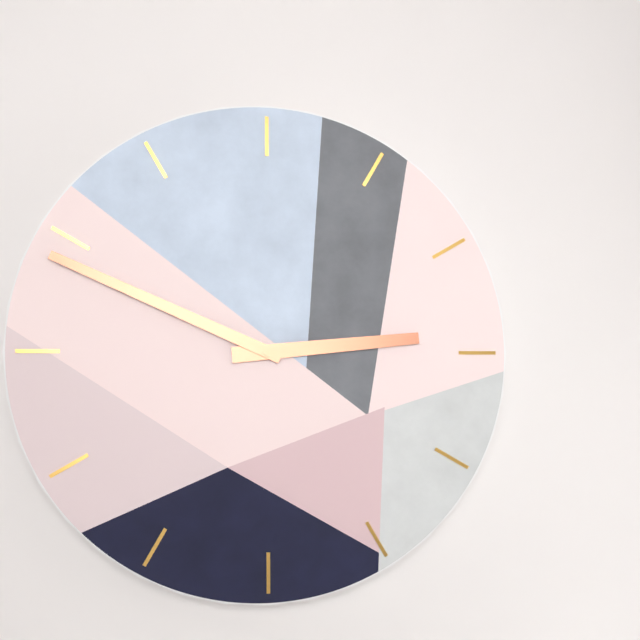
**2:49**
